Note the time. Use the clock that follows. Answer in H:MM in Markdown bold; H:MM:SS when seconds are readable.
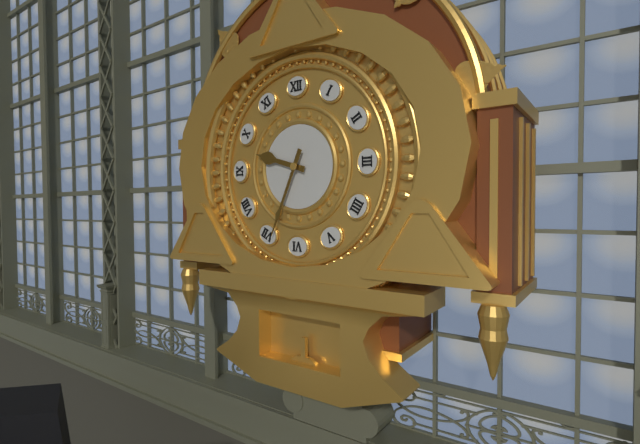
**9:34**
